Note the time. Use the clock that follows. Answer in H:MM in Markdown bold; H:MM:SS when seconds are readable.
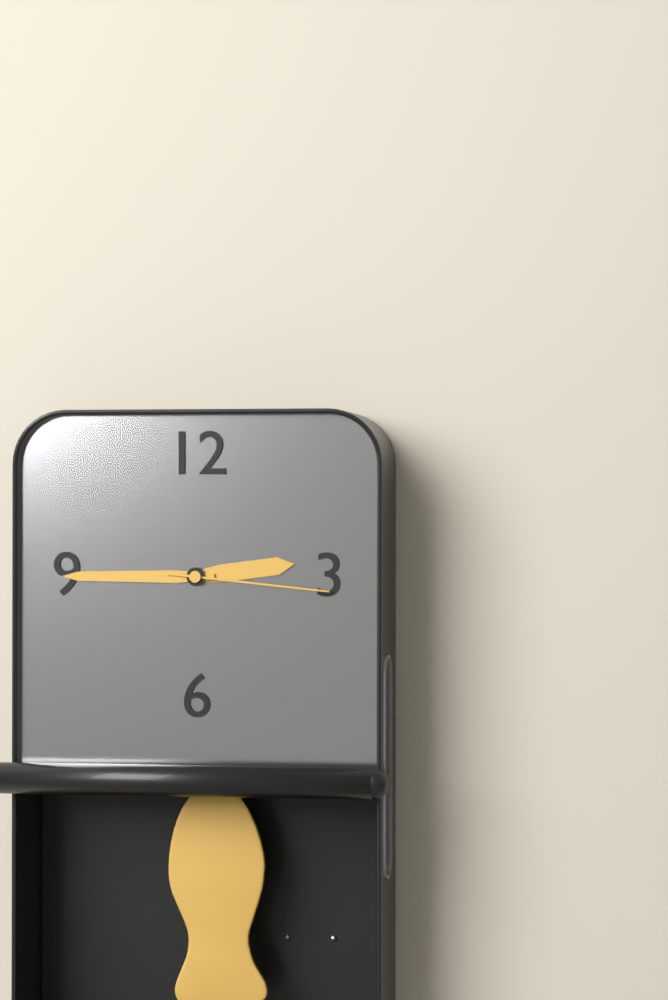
**2:45:16**
